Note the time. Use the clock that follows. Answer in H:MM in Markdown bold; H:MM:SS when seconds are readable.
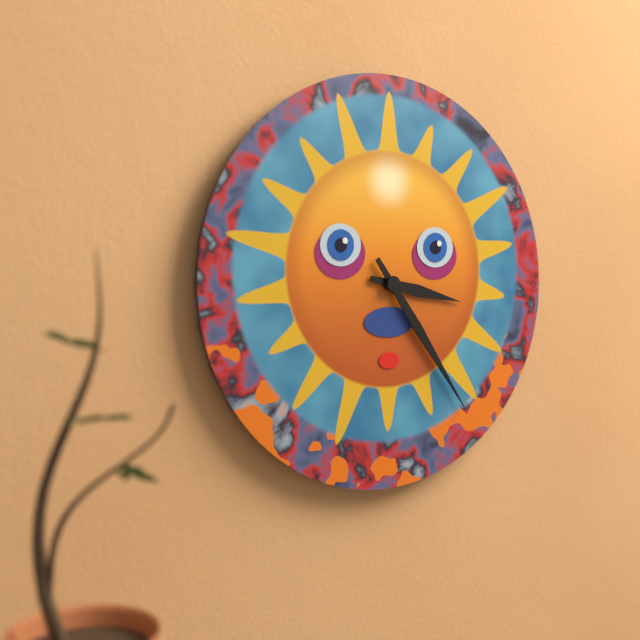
**3:24**
